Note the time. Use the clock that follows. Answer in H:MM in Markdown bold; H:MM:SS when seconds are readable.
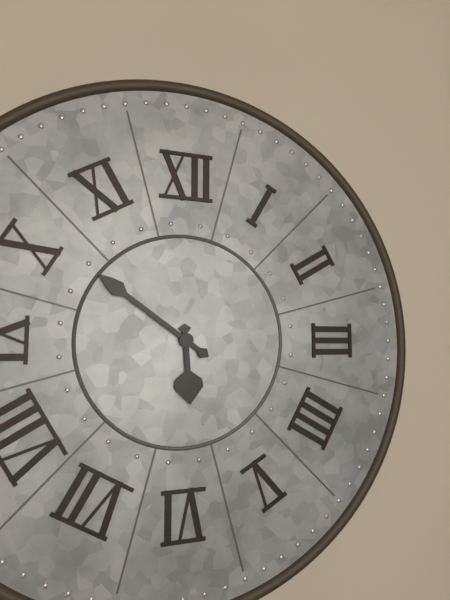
**5:51**
